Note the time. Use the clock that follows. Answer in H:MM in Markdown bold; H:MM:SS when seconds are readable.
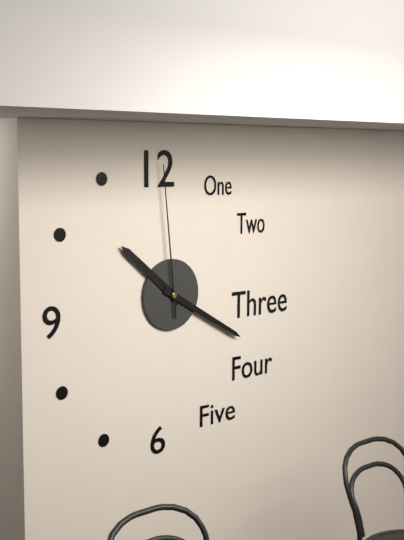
**10:20:59**
